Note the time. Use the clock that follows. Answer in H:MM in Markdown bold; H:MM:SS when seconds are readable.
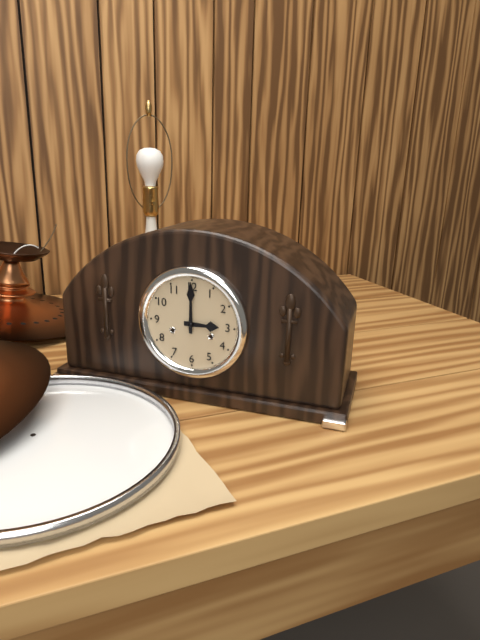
**3:00**
